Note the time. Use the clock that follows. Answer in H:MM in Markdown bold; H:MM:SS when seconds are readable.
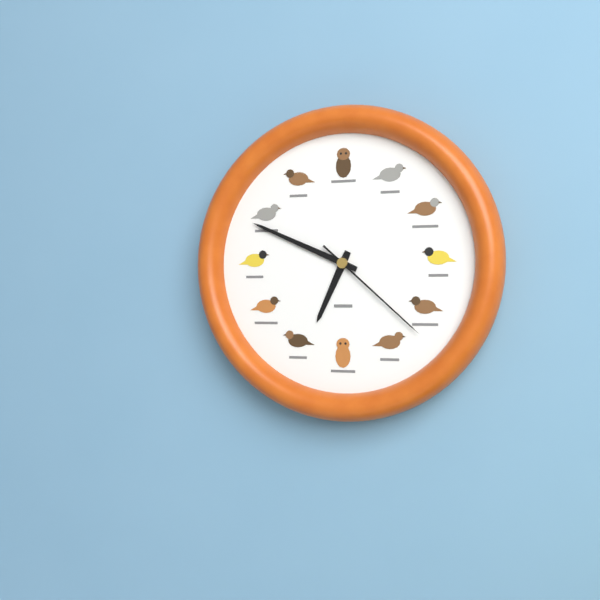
**6:49:22**
